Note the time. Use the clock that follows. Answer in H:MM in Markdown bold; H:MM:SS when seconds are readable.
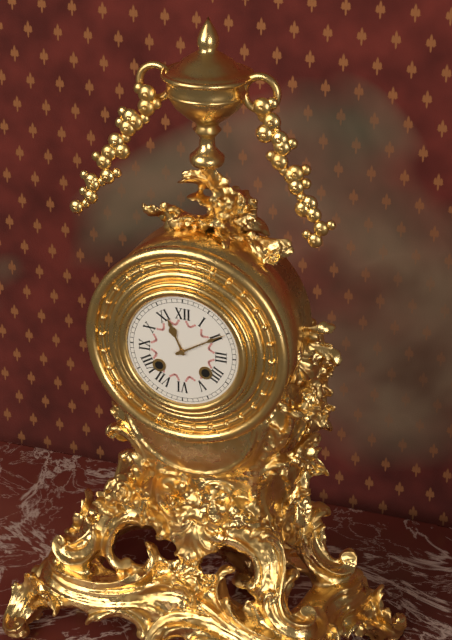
**11:10**
